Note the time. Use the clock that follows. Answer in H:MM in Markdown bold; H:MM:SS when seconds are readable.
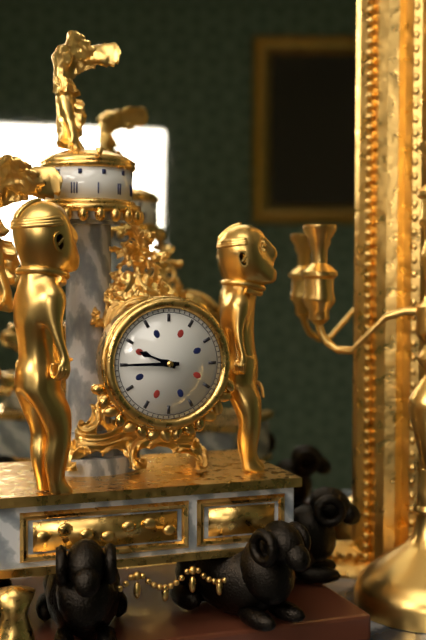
**9:45**
